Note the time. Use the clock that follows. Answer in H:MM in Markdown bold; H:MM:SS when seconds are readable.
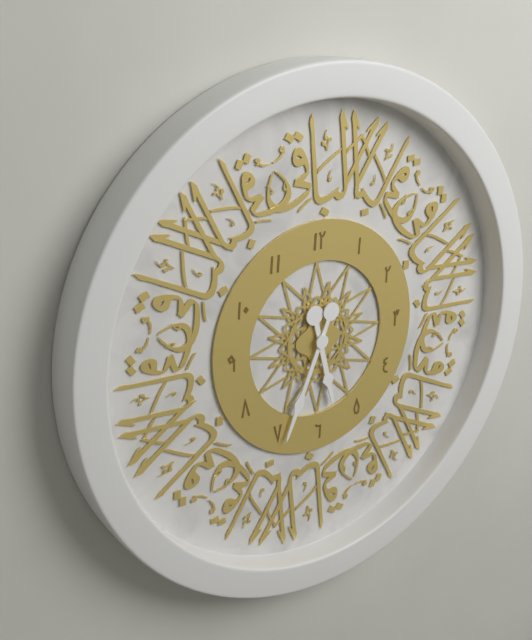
**5:34**
